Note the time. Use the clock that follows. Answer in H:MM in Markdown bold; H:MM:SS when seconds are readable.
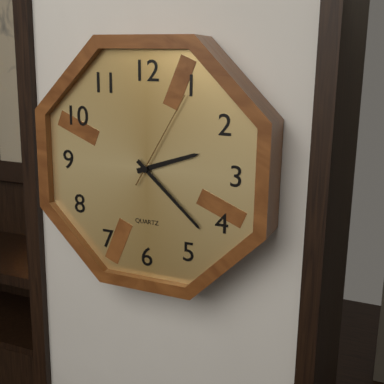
**2:22:05**
